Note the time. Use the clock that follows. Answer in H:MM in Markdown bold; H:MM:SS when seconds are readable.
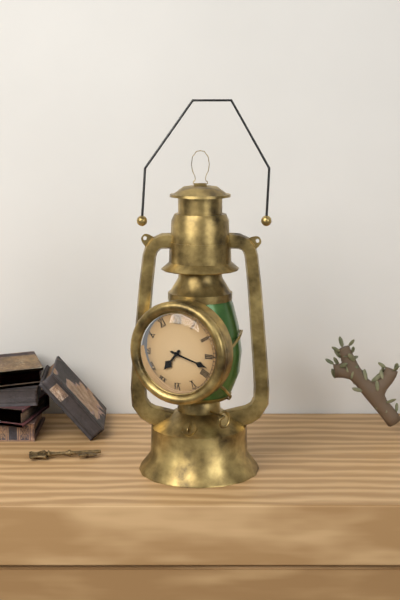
**7:18**
